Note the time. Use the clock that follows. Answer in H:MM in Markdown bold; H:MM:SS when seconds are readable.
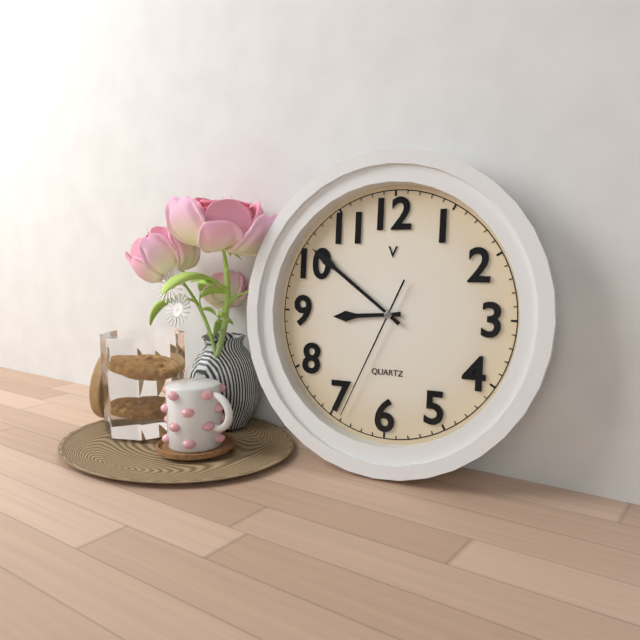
**8:51:34**
